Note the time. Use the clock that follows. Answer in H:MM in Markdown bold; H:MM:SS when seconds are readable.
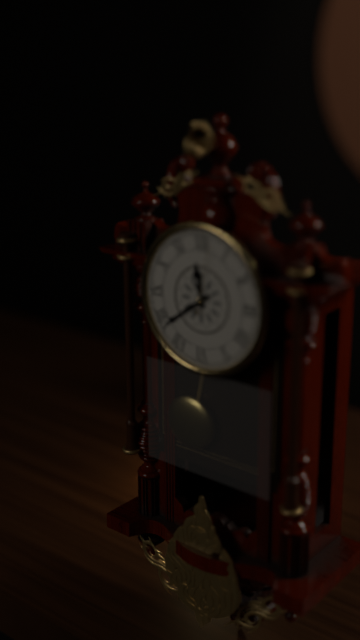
**11:39:02**
